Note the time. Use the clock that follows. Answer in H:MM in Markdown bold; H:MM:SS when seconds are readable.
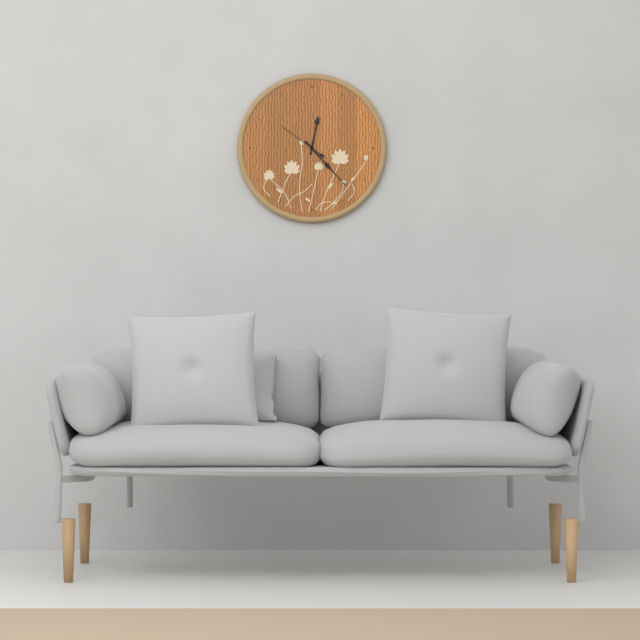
**12:23**
